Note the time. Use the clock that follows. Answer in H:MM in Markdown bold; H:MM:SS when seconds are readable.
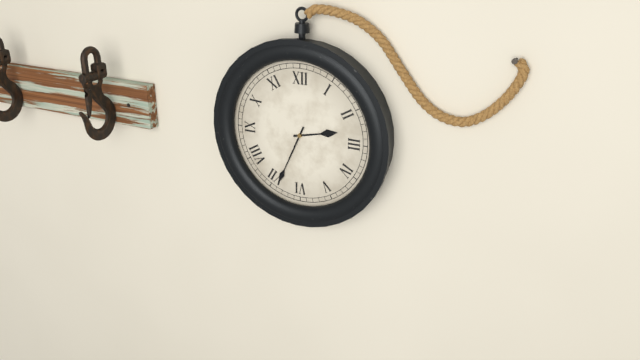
**2:34**
